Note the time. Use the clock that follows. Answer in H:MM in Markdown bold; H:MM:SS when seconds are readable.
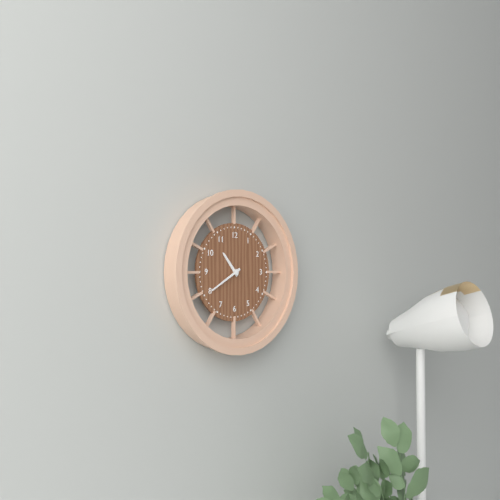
**10:40**
